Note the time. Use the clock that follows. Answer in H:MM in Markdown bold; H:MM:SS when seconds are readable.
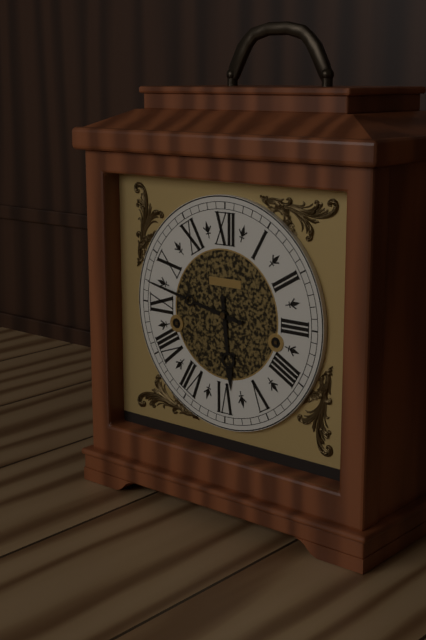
**5:47**
